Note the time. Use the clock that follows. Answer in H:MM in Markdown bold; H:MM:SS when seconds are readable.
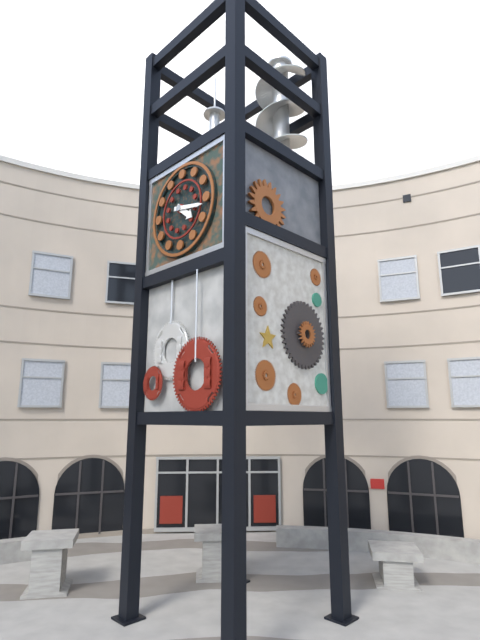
**4:17**
